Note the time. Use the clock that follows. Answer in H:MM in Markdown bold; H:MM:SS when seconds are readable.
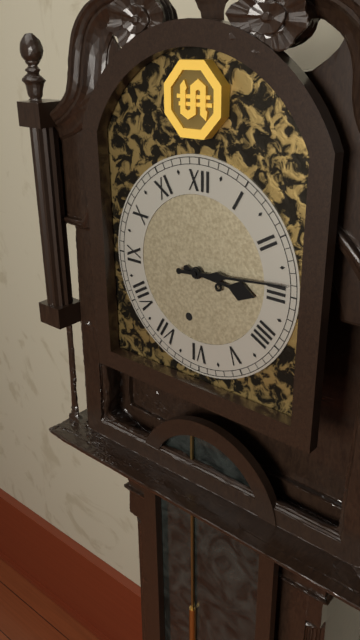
**3:14**
